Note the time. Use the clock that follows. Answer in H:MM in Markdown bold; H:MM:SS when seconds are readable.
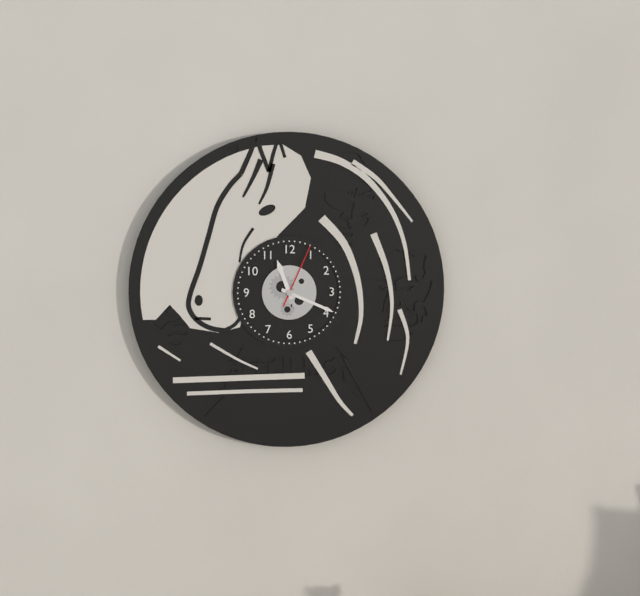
**11:19:04**
